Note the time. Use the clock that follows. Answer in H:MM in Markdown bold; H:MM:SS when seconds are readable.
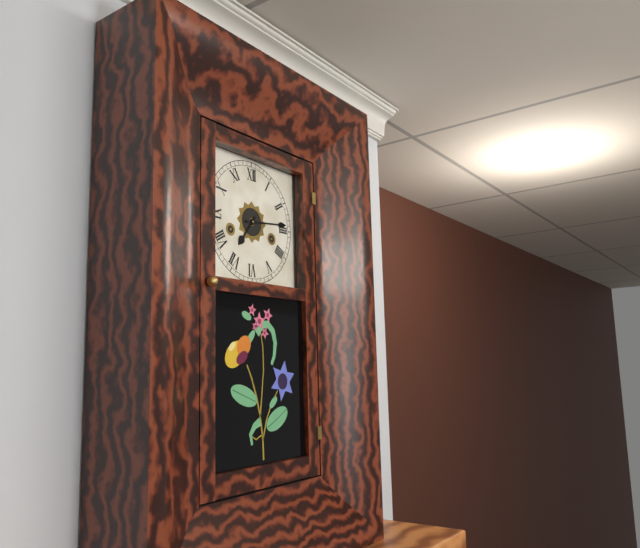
**7:14**
